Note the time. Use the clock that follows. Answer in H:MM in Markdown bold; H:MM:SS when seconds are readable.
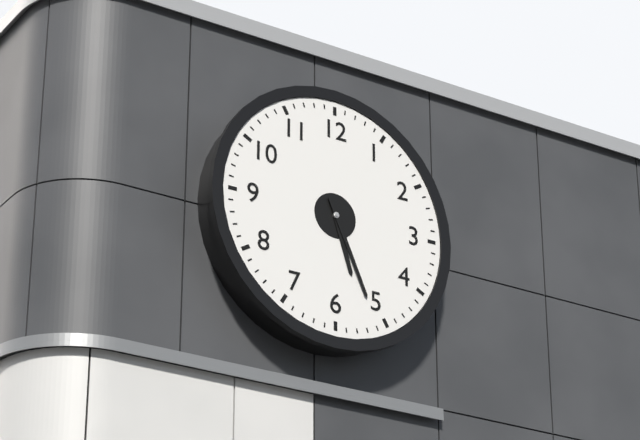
**5:26**
